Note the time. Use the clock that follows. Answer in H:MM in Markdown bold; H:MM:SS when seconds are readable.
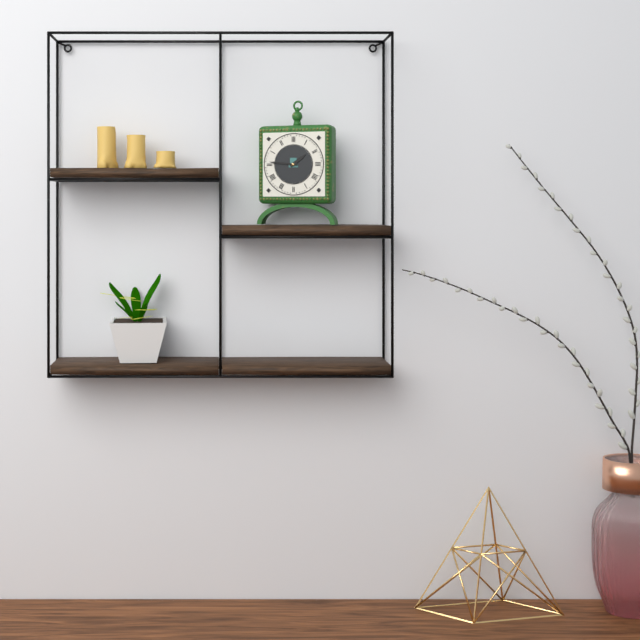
**1:46**
